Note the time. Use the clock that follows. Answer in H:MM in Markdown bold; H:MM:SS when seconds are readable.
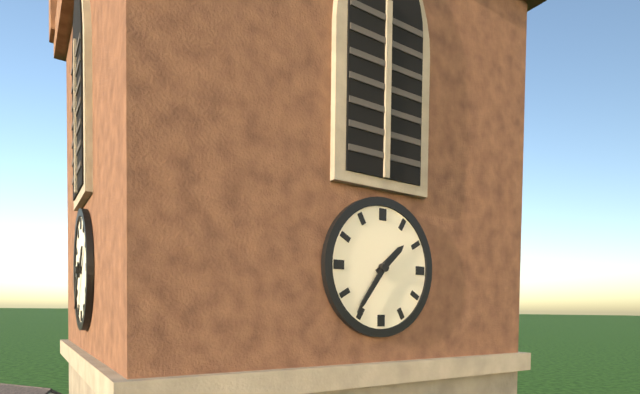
**1:36**
